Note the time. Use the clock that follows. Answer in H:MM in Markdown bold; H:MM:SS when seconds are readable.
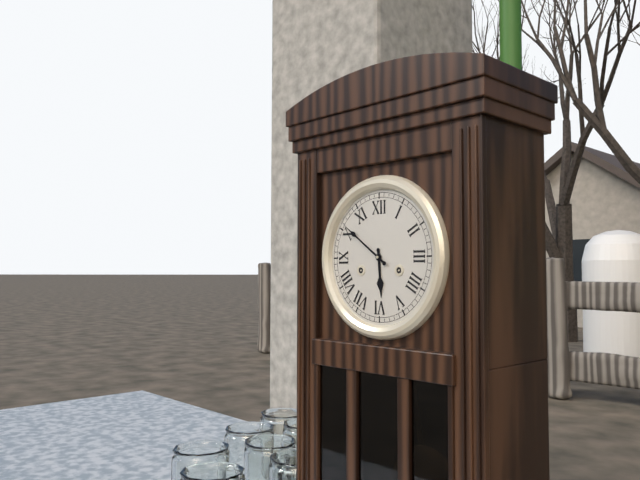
**5:51**
